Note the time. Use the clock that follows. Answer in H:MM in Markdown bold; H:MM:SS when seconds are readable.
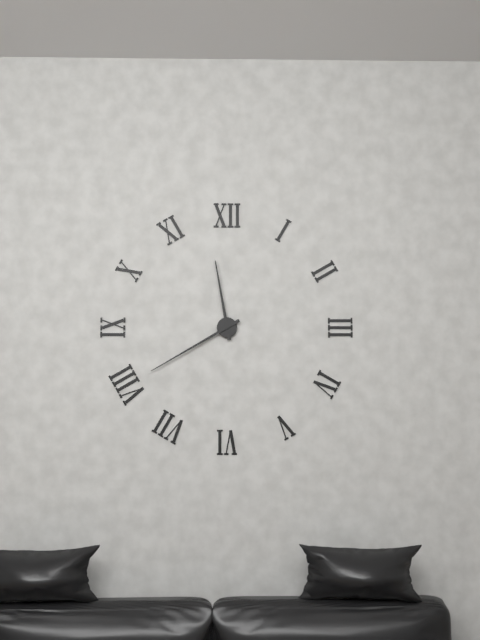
**11:40**
